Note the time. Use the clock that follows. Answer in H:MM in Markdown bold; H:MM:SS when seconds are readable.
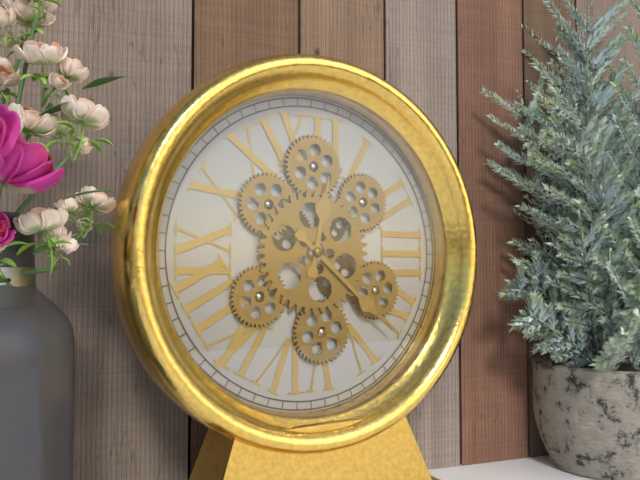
**12:22**
